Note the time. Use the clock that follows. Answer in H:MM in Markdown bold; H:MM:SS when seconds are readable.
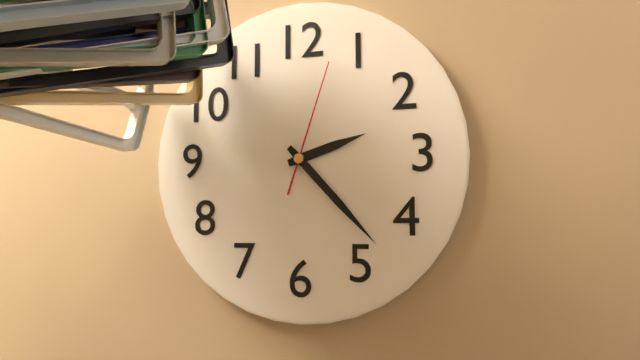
**2:23:03**
